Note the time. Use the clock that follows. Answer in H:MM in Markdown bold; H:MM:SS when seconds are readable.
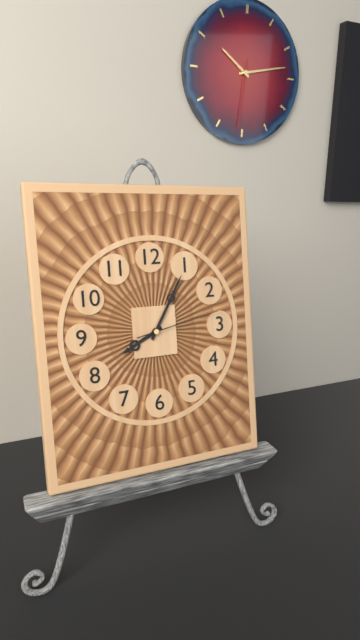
**8:05:13**
